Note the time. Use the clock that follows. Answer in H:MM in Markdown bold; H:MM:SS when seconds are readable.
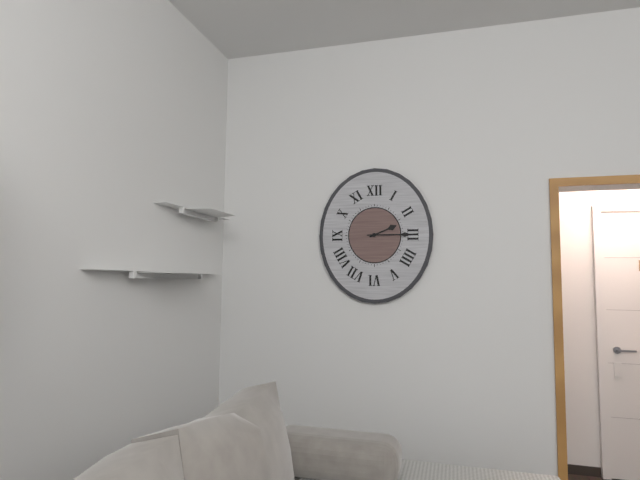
**2:15**
